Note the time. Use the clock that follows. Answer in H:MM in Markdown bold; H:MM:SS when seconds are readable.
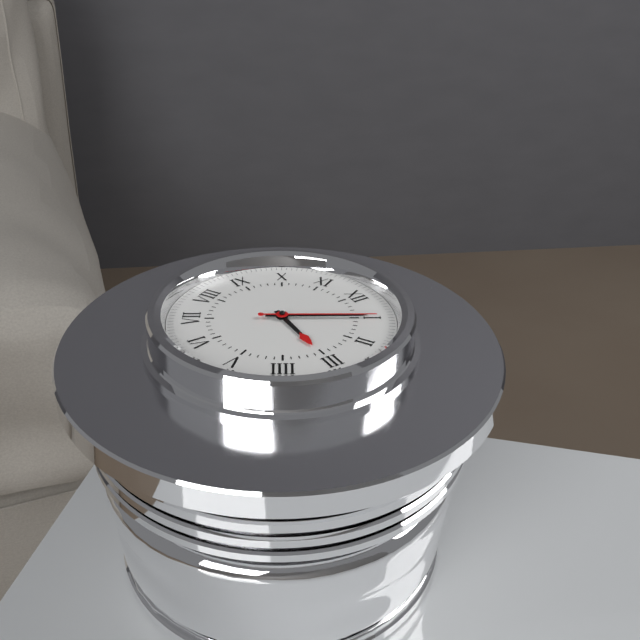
**3:05:05**
